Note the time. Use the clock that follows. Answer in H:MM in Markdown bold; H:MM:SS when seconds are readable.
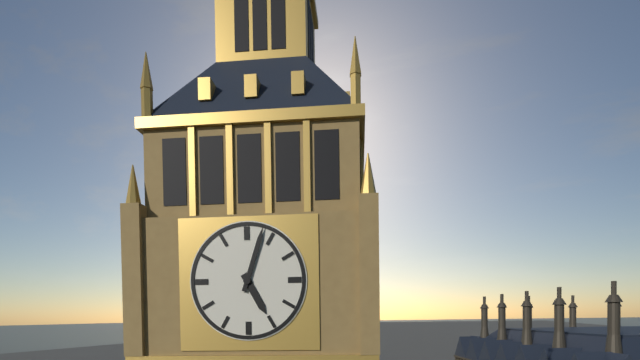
**5:03**
